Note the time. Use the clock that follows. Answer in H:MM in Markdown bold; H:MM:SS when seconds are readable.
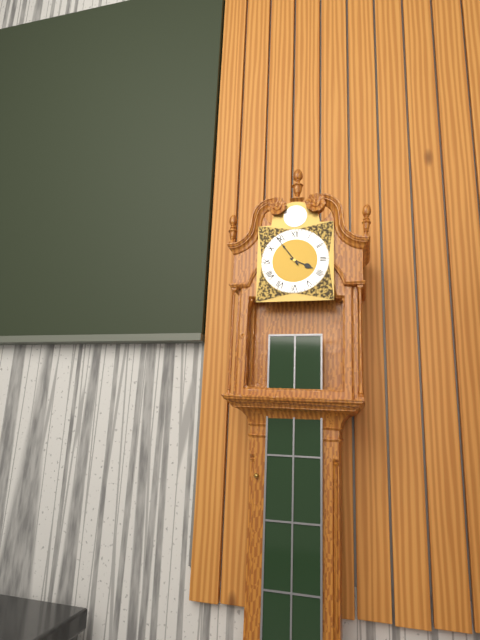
**3:54**
